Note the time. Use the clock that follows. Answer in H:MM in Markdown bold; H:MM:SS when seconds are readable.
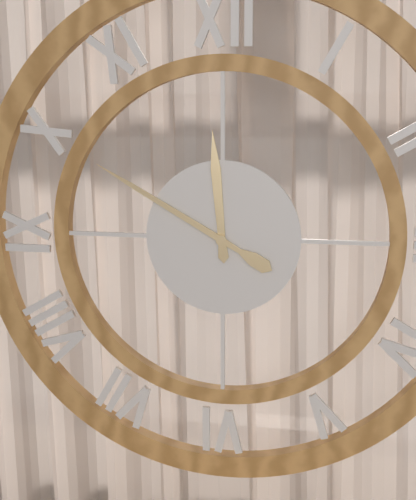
**11:50**
